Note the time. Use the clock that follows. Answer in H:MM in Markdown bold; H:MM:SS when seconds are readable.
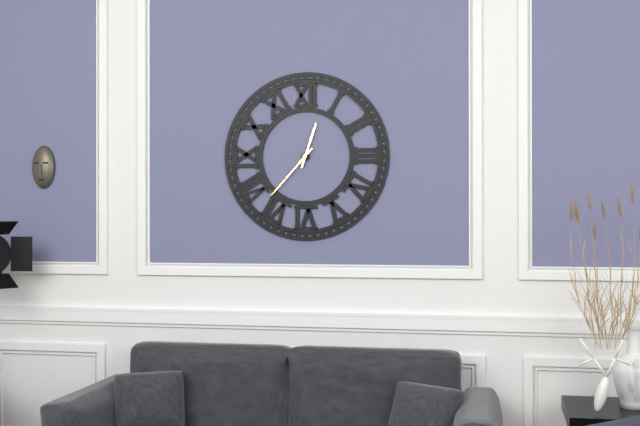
**12:37**
